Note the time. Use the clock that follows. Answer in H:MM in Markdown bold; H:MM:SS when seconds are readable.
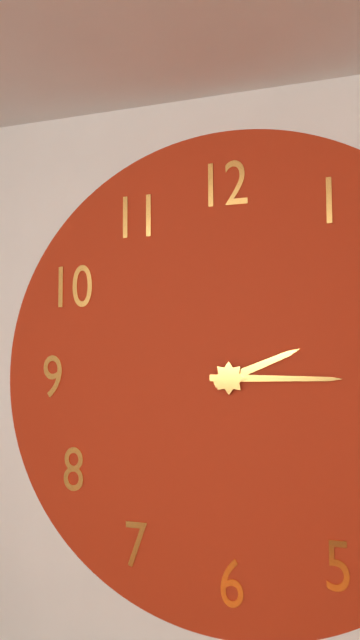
**2:15**
